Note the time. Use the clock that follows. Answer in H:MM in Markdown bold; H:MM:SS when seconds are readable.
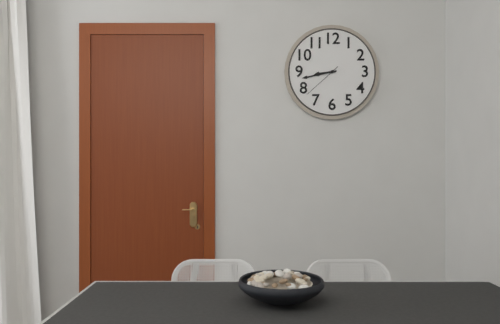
**8:43**
